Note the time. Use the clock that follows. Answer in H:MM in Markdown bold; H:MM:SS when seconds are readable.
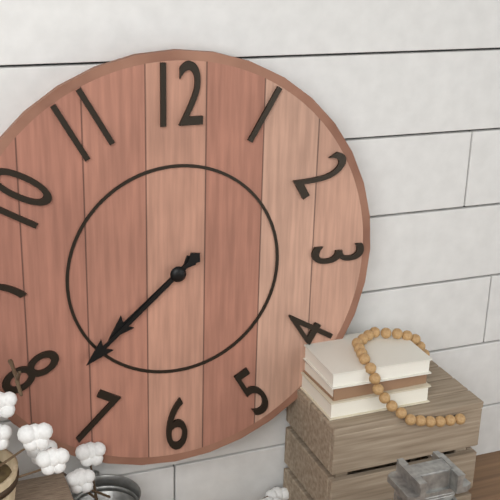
**7:38**
